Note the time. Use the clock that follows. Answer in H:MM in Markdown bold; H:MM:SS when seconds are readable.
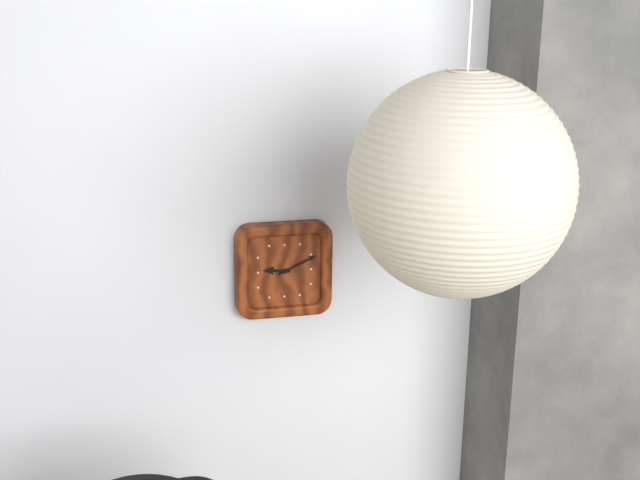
**9:11**
